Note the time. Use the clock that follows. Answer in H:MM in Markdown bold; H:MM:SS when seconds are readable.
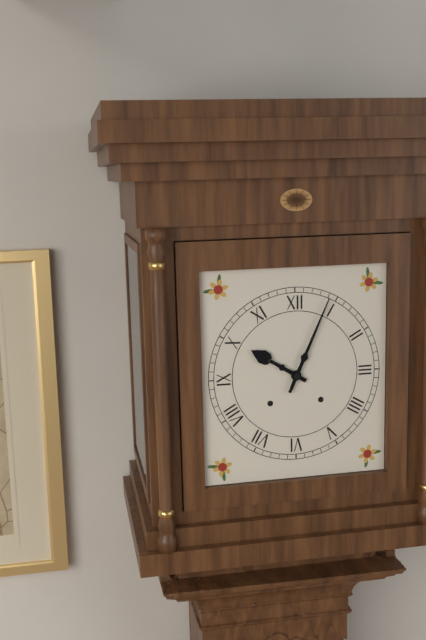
**10:04**
